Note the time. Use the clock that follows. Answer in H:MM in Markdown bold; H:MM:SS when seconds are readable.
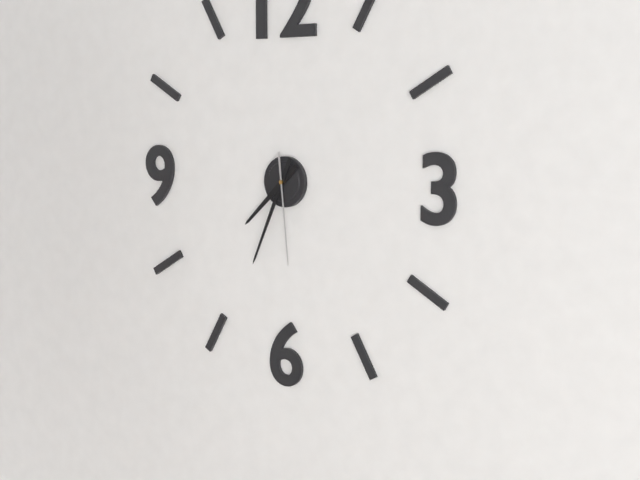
**7:34:29**
